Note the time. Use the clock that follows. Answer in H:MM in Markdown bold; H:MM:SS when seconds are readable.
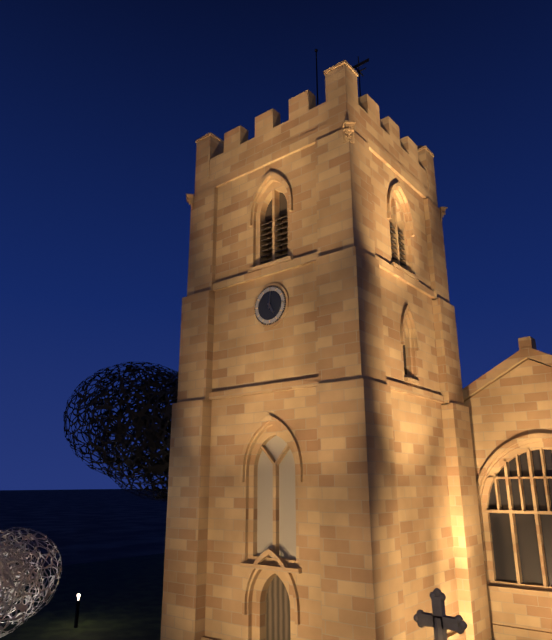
**5:01**
